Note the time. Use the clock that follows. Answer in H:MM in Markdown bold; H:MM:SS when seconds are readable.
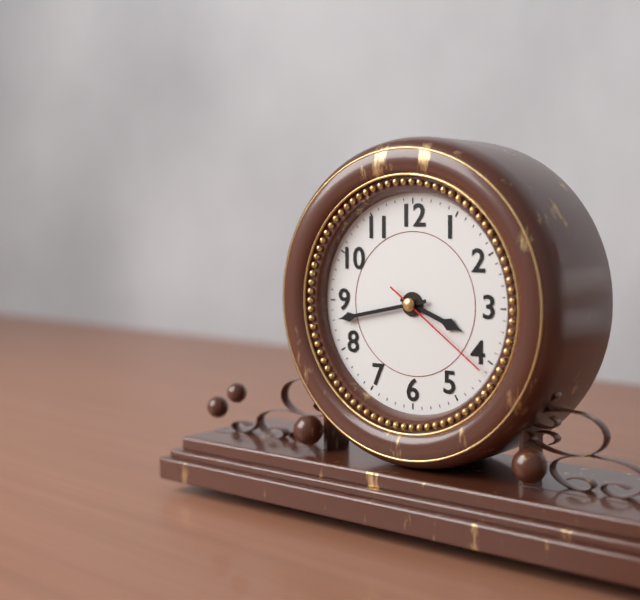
**3:43:21**
